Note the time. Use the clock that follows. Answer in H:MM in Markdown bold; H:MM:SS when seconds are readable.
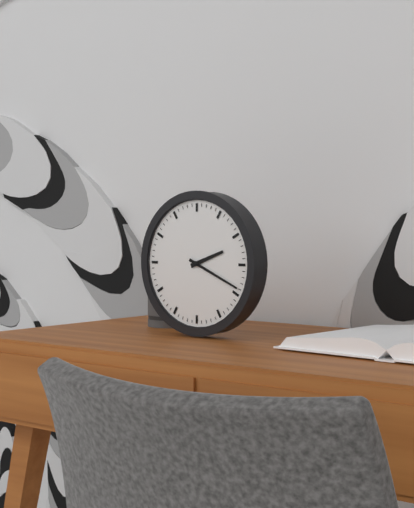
**2:19**
